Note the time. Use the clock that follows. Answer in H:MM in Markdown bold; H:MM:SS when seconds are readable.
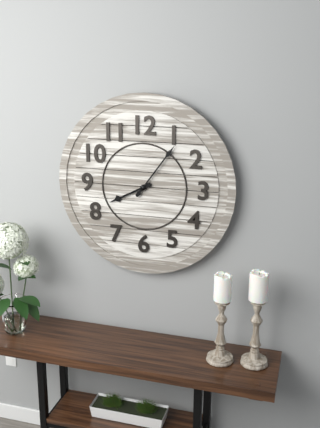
**8:06**
